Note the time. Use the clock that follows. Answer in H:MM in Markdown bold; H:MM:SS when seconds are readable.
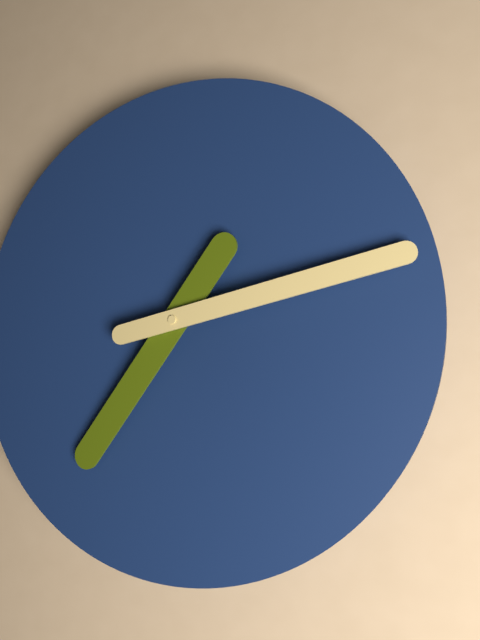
**7:13**
